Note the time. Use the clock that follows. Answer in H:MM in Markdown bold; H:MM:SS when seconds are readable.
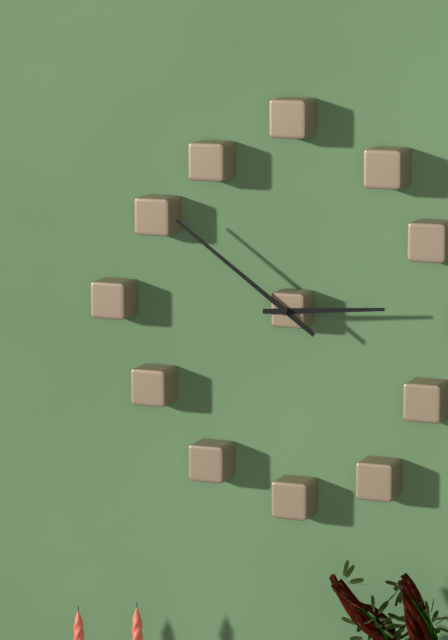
**2:51**
